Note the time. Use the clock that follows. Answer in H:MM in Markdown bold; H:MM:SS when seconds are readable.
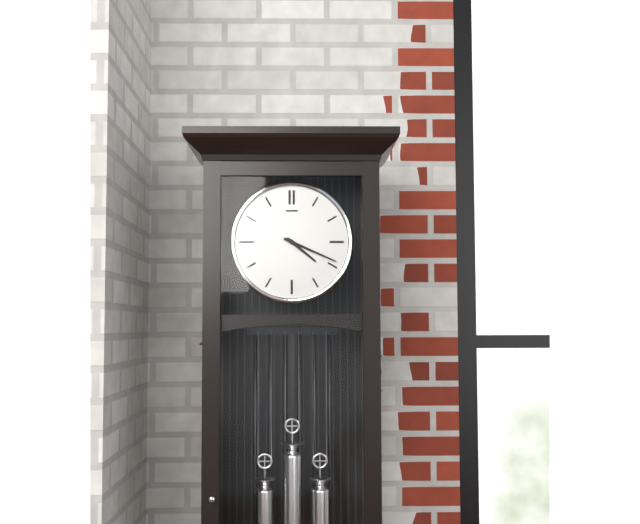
**4:19**
